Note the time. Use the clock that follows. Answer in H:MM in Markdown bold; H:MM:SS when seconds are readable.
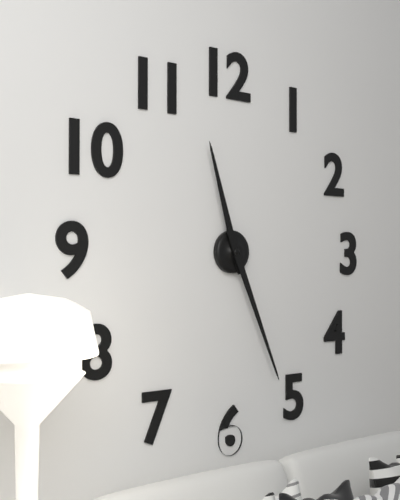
**11:26**
